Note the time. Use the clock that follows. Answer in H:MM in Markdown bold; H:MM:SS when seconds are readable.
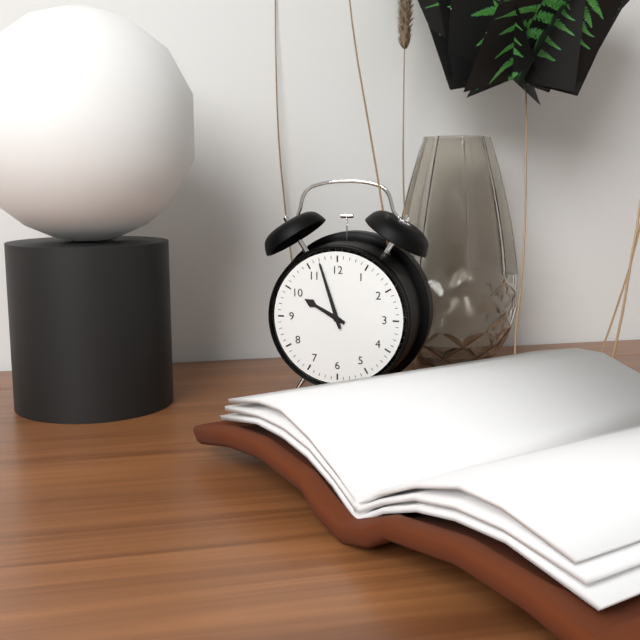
**9:57**
